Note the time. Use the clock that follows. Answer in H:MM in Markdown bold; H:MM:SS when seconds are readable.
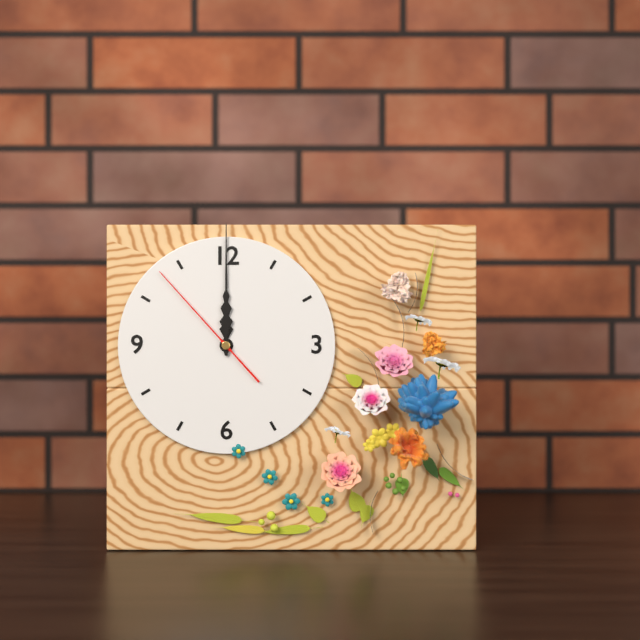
**12:00:53**
